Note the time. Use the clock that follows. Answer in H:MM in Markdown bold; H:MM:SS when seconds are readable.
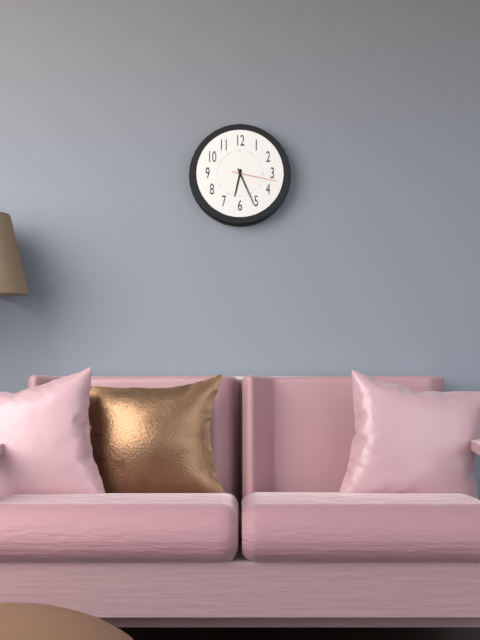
**6:26**
